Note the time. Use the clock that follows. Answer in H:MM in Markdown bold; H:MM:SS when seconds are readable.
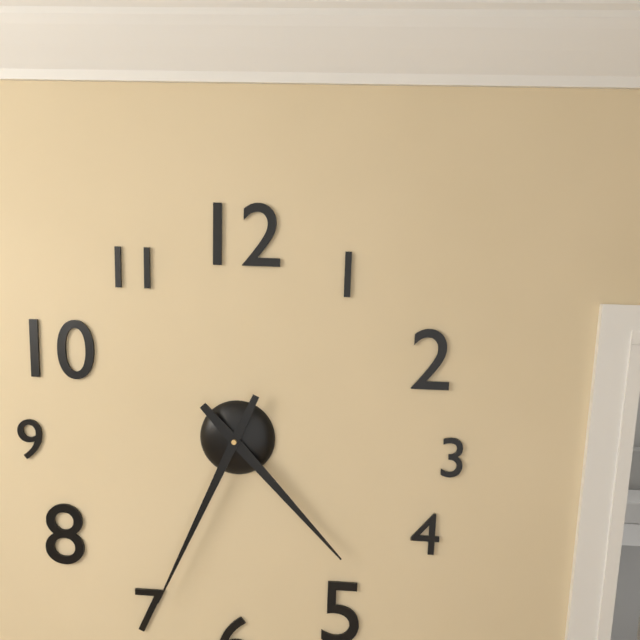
**4:34**
